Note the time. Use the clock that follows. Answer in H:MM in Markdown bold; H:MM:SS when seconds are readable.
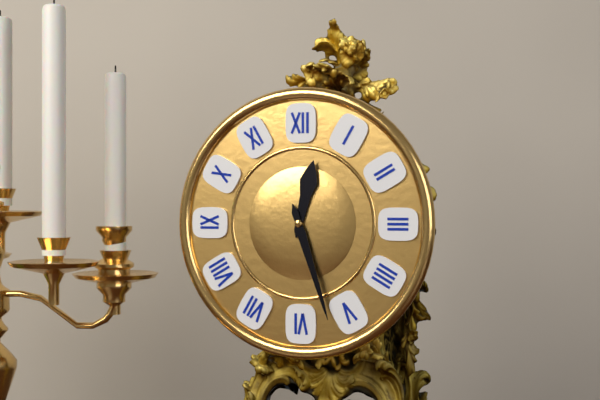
**12:27**
